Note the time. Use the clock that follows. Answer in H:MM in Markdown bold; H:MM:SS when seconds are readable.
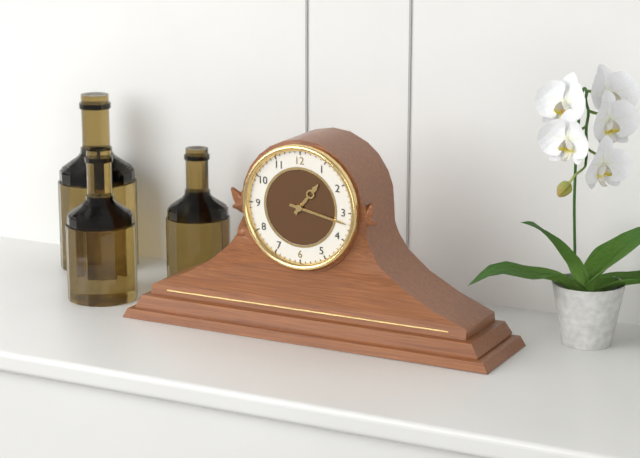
**1:17**
